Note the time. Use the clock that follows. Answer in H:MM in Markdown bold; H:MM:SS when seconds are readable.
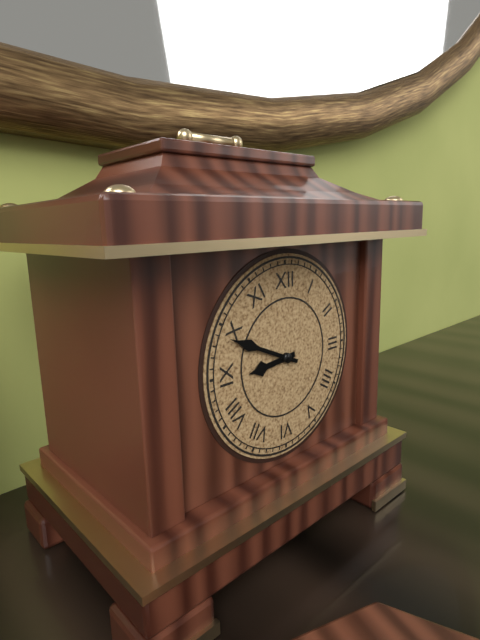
**8:49**
